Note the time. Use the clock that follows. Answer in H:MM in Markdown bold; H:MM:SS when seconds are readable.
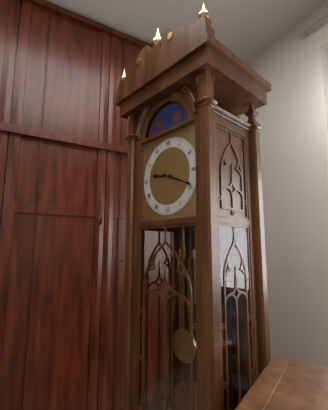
**9:19**
